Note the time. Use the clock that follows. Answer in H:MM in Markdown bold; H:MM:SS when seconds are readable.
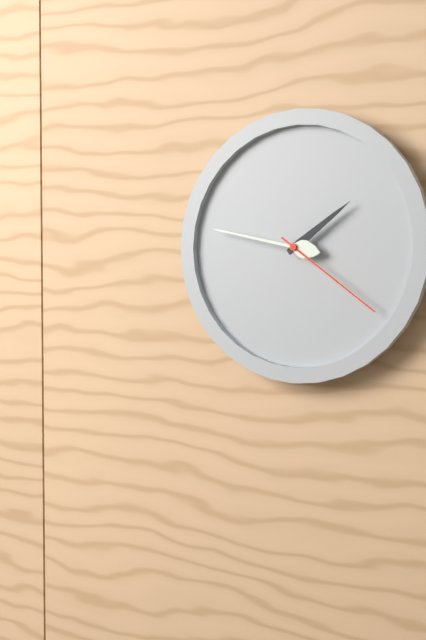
**1:47:21**
